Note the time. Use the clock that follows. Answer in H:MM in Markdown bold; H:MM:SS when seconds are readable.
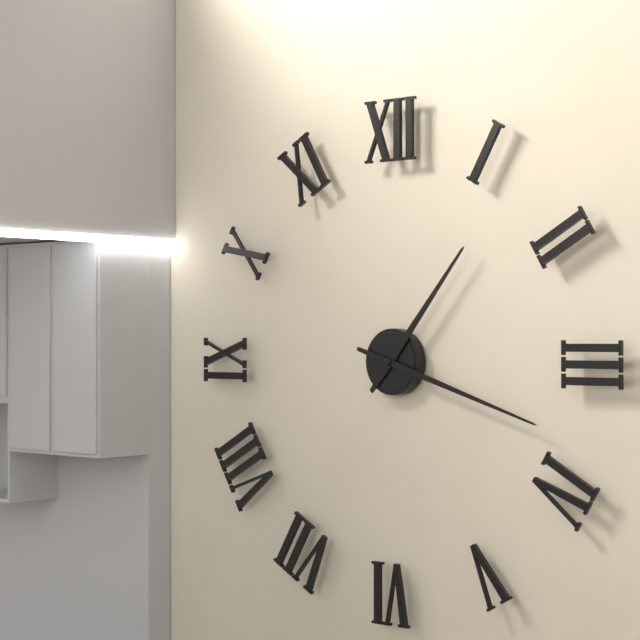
**1:18**
